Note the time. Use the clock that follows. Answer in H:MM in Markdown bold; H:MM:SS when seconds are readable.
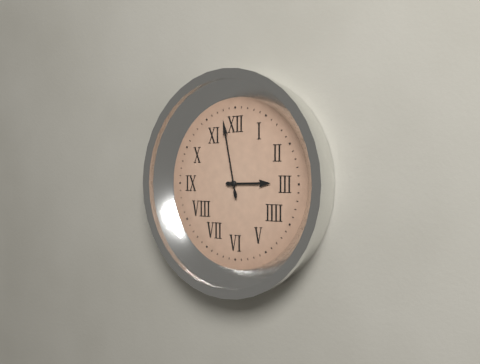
**2:58**
